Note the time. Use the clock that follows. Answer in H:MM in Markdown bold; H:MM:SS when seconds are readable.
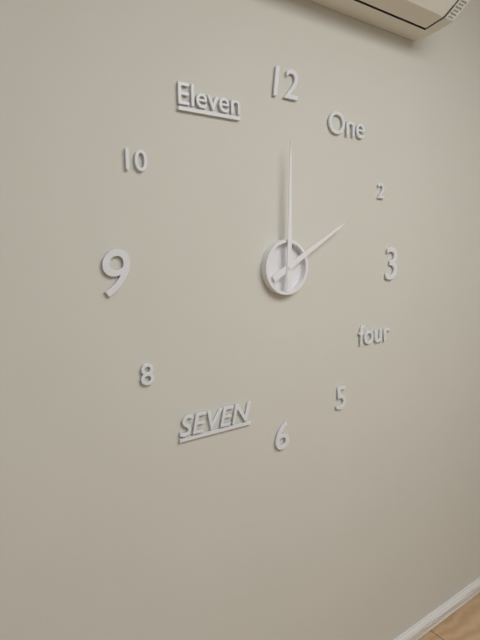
**2:00**
